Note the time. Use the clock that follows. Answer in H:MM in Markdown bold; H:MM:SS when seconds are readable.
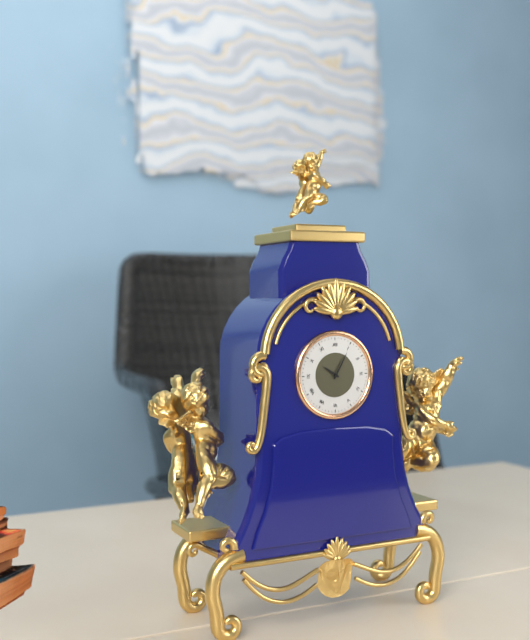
**10:05**
